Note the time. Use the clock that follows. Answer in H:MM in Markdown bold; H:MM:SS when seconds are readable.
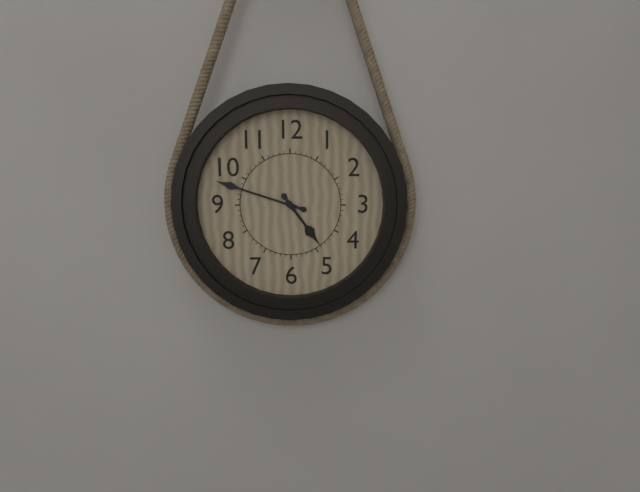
**4:48**
